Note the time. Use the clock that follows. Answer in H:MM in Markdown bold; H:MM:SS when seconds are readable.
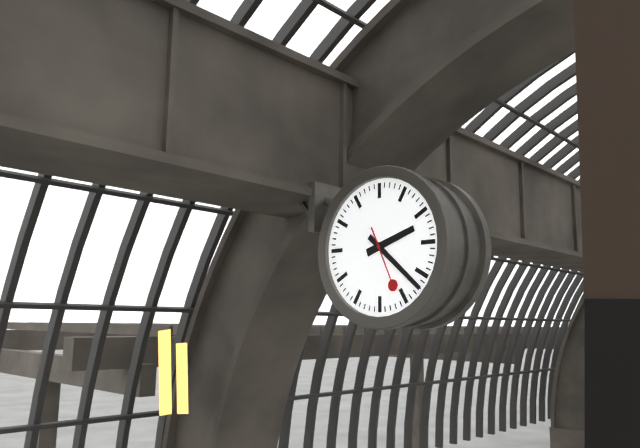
**2:22:26**
